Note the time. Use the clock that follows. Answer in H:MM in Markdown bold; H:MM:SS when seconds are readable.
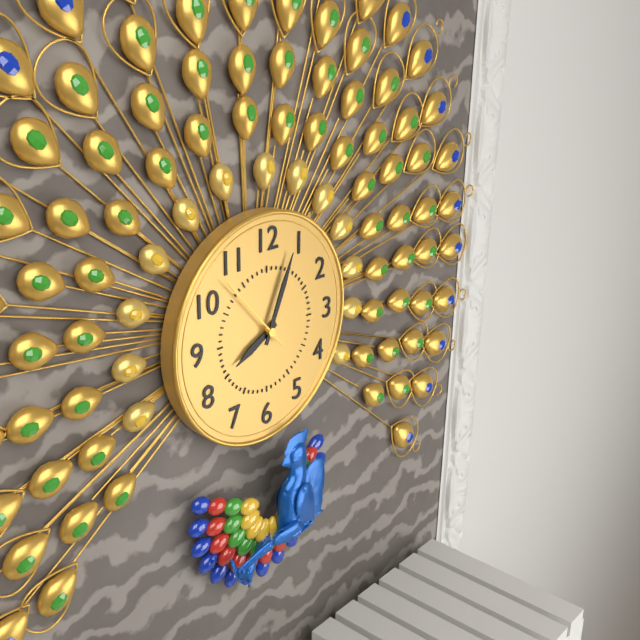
**8:04:53**
